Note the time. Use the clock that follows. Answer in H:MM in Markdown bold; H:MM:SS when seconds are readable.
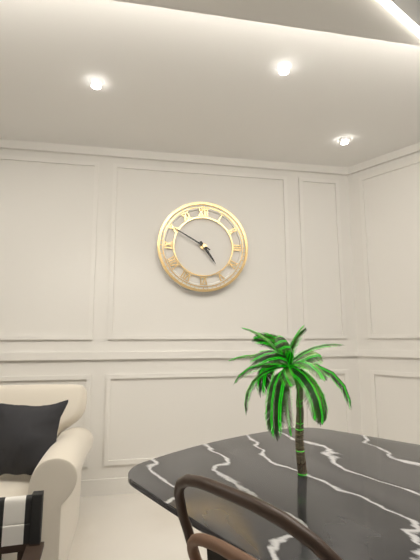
**4:50**
